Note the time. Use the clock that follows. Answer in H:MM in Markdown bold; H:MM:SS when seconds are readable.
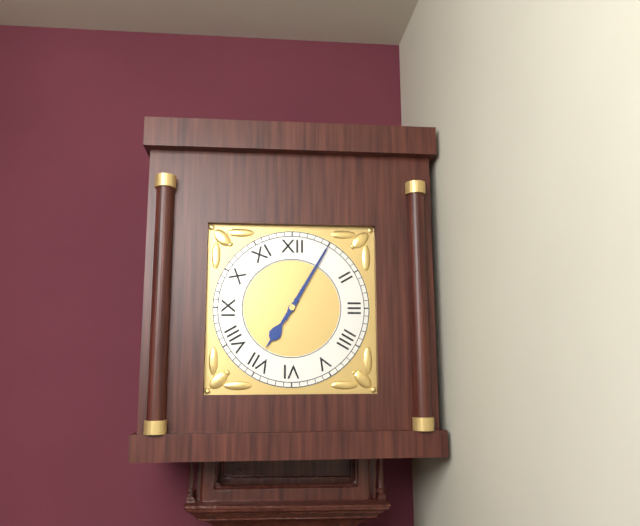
**7:05**
